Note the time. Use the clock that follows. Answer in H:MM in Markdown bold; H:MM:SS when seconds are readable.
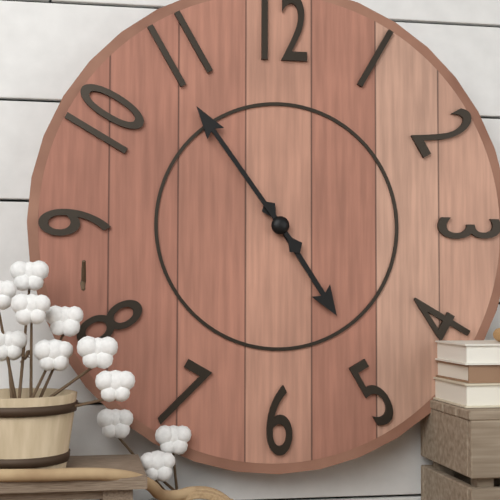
**4:54**
